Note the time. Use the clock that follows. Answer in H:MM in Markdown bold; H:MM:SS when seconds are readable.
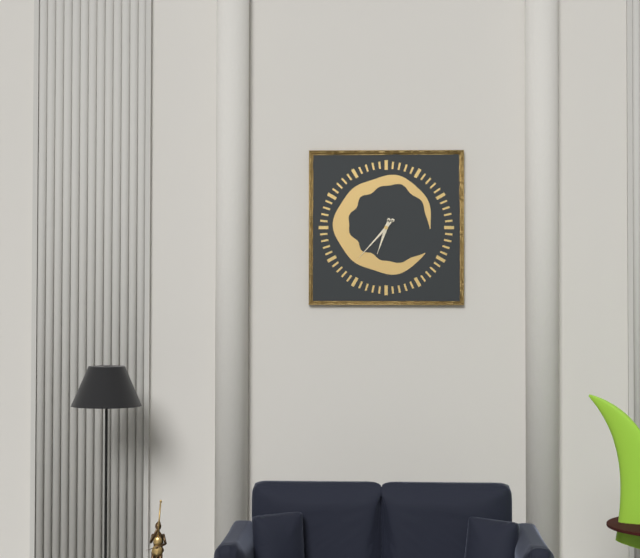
**6:37**
